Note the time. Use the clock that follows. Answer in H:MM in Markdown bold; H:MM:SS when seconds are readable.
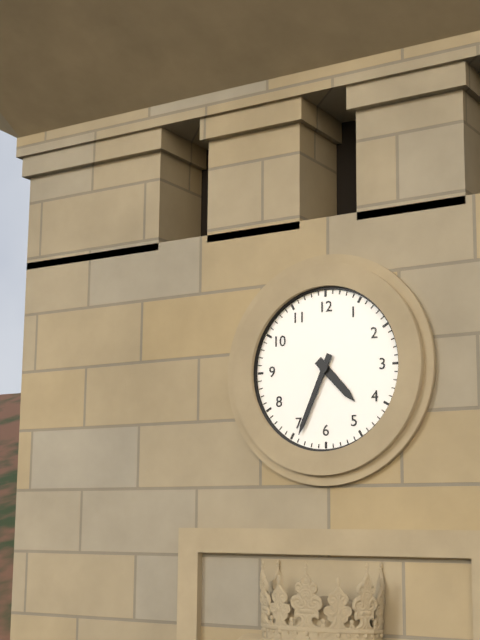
**4:34**
